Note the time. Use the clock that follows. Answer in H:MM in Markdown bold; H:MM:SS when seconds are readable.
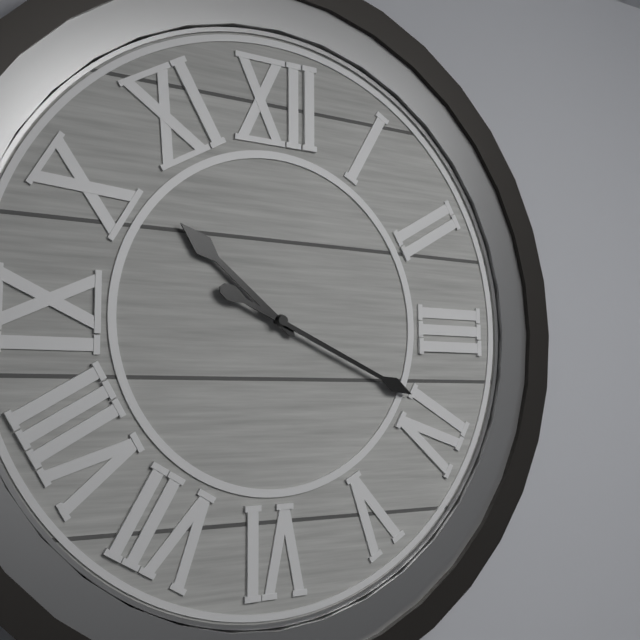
**10:19**
